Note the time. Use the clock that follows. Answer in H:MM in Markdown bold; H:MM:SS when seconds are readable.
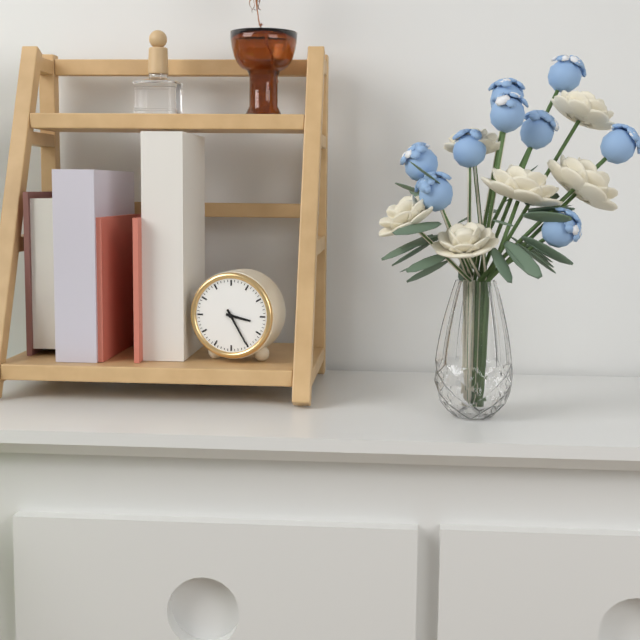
**3:25**
